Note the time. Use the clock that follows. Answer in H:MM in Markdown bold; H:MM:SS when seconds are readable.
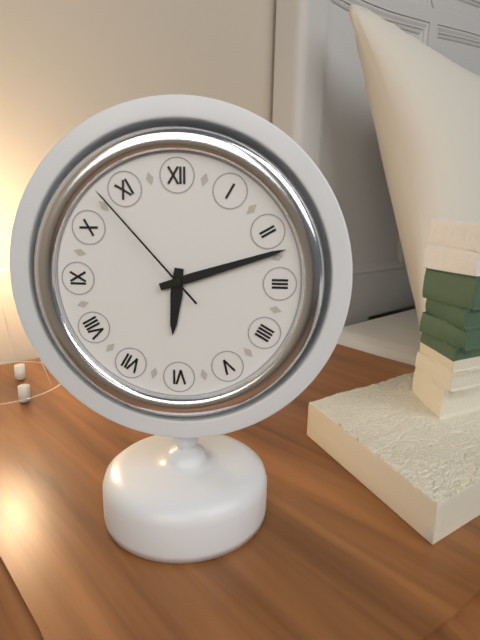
**6:12:53**
